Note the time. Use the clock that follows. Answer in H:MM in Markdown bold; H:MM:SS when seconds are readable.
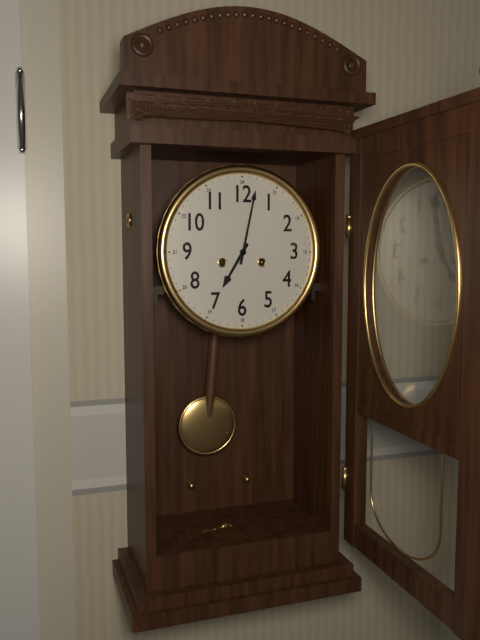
**7:02**
